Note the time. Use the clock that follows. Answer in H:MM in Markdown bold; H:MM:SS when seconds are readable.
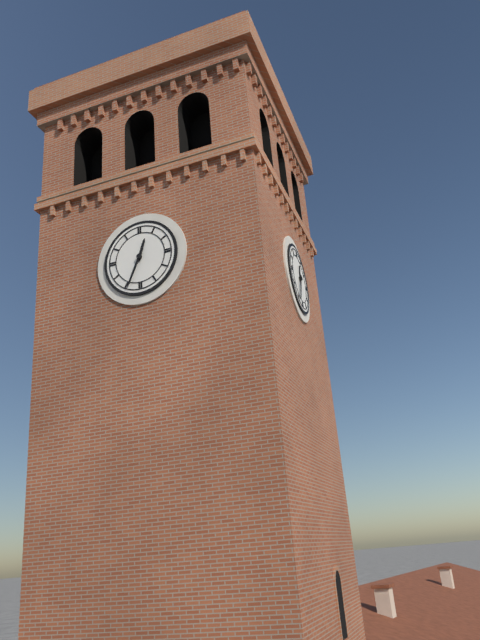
**12:34**
